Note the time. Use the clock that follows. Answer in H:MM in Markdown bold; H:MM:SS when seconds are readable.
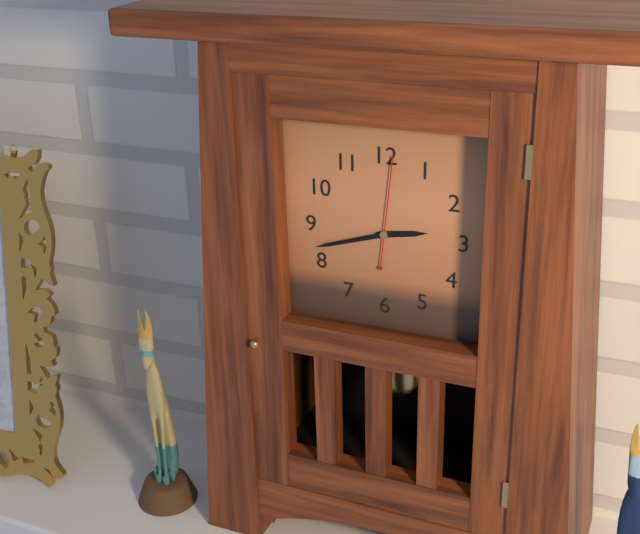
**2:42:01**
